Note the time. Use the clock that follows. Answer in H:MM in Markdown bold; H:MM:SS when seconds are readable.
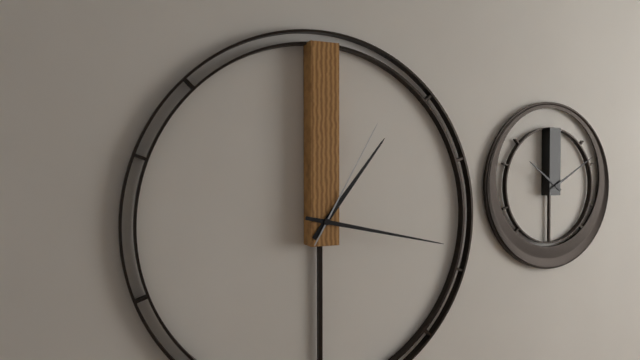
**1:17:05**
